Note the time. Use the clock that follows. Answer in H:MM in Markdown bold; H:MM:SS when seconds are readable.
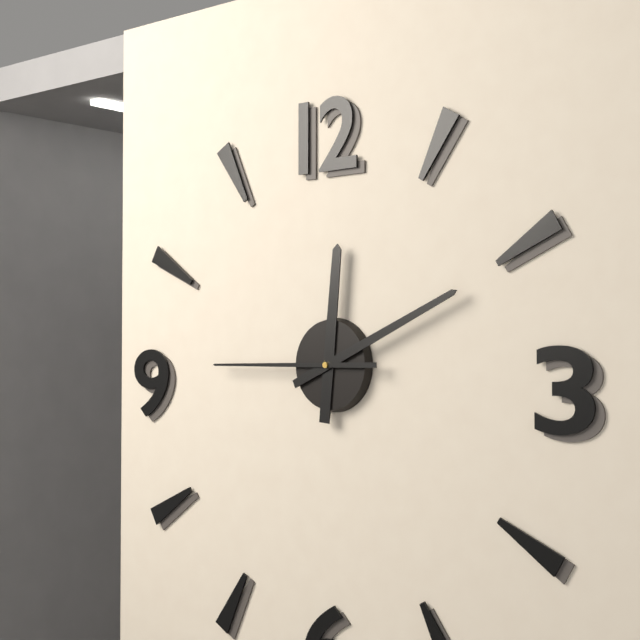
**12:11:45**
